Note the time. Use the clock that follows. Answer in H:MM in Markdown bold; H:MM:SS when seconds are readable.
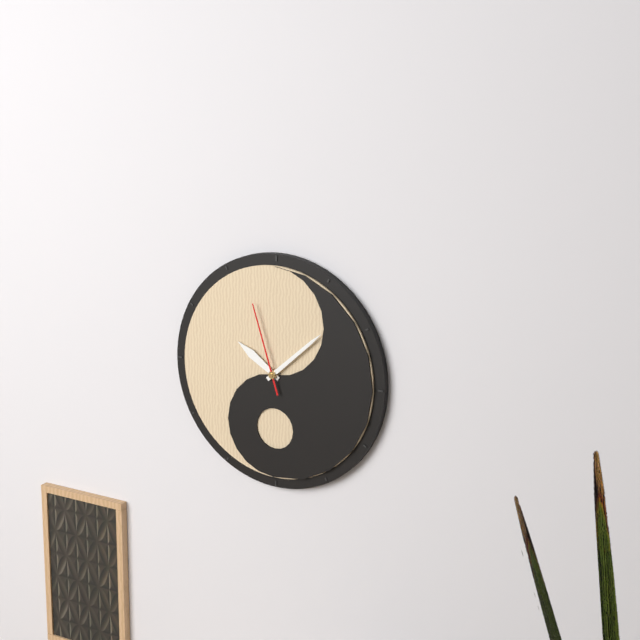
**10:08:57**
